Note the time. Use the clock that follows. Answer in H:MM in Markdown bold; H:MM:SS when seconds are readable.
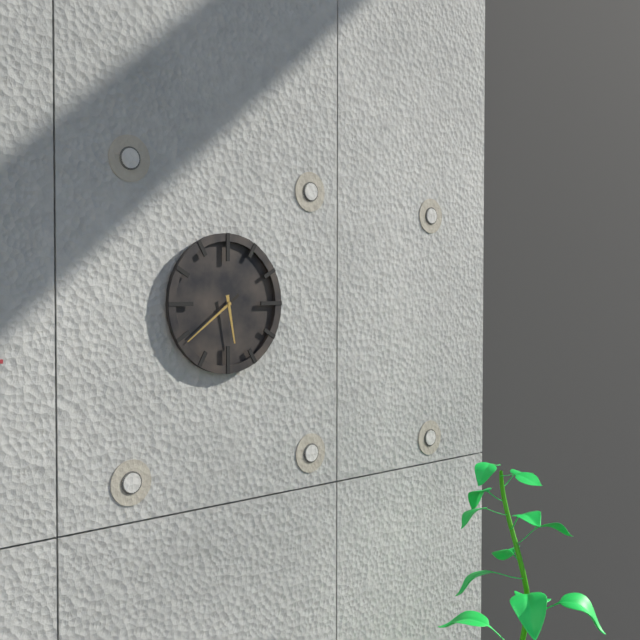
**5:39**
